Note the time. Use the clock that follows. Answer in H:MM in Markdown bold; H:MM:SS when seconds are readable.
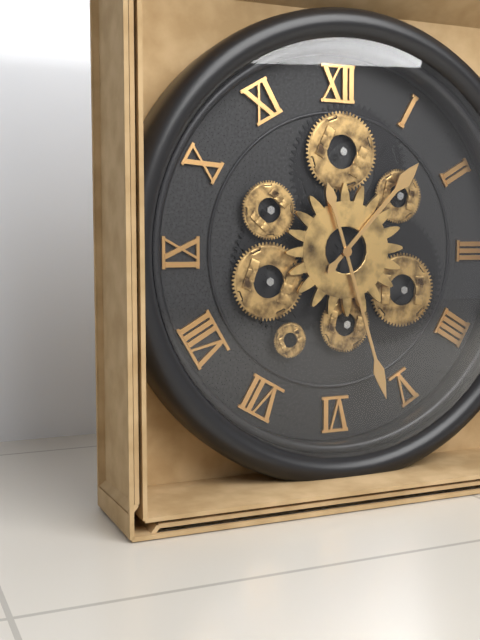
**1:27**
